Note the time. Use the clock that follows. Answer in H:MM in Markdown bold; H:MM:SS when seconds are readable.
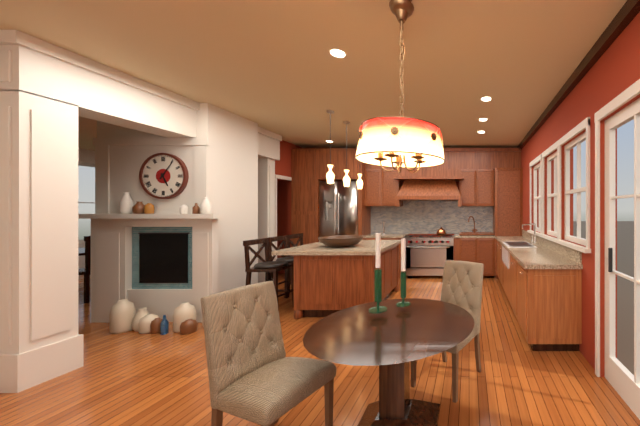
**5:06**
